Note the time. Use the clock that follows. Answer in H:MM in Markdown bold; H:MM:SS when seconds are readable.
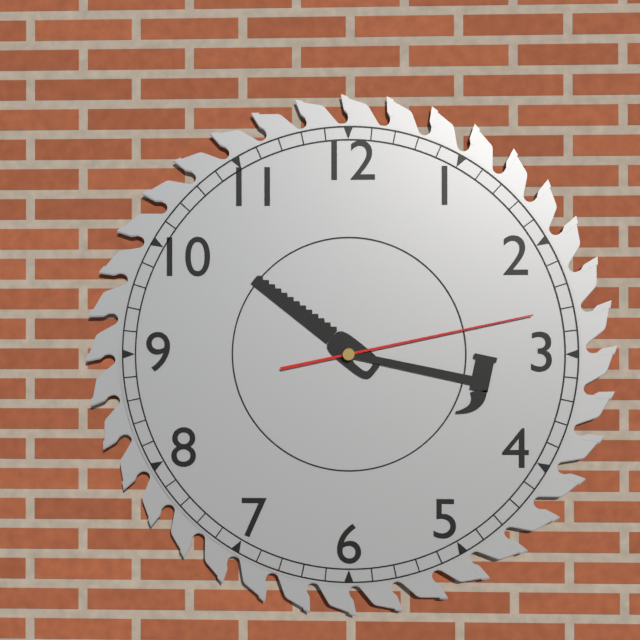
**10:17:13**
